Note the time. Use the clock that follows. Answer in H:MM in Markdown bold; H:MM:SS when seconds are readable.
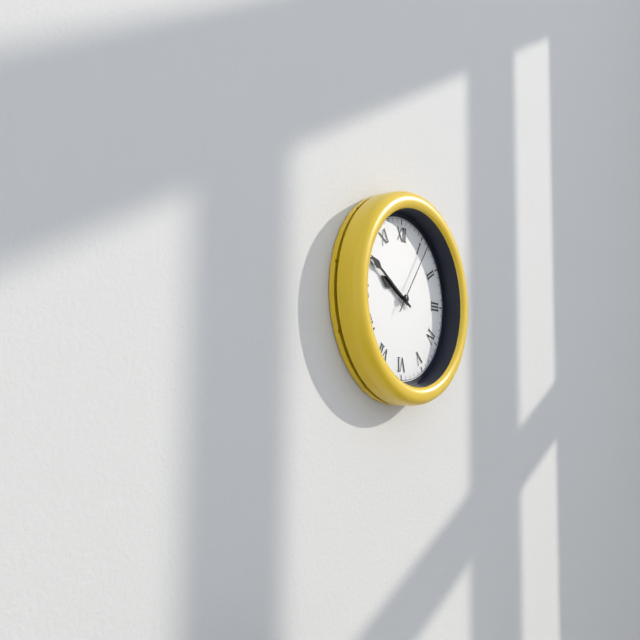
**9:50:06**
